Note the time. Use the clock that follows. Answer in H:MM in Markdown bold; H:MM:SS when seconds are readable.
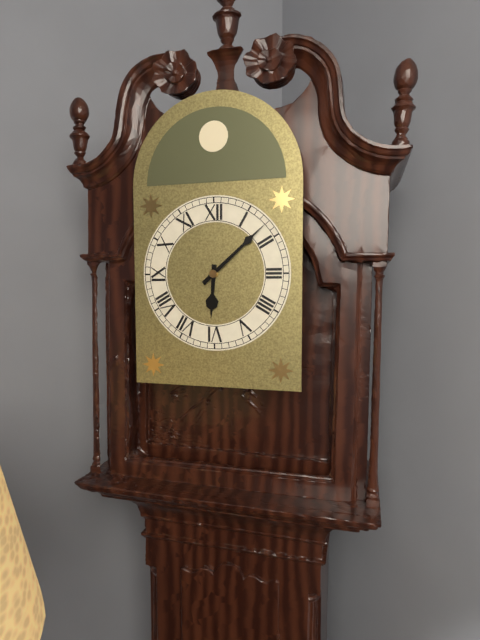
**6:08**
